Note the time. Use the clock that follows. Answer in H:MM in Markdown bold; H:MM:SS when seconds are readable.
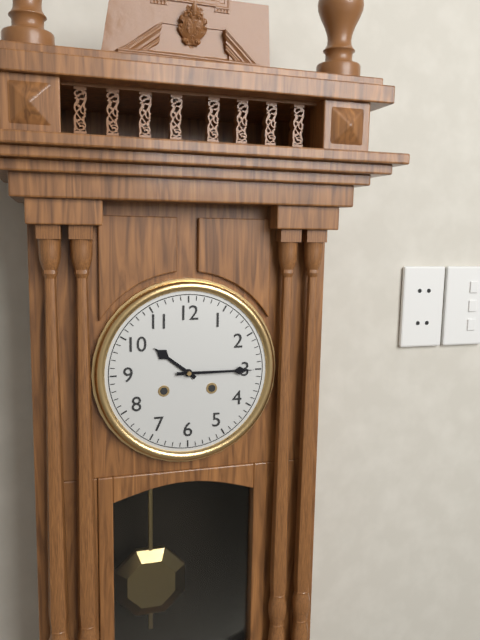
**10:15**
